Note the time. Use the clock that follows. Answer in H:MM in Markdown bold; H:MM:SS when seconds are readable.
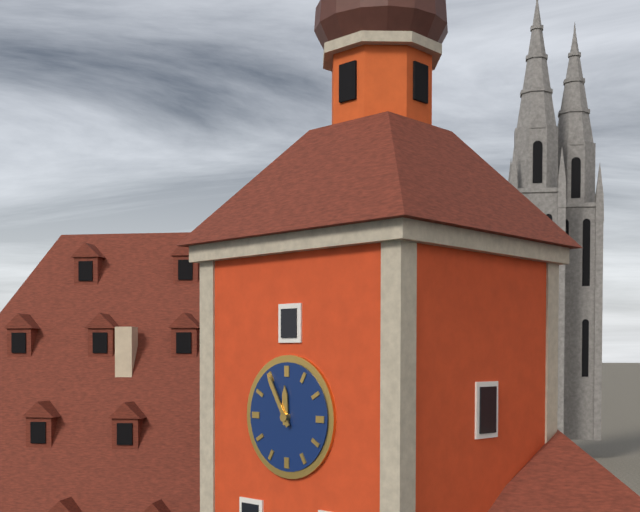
**11:55**
